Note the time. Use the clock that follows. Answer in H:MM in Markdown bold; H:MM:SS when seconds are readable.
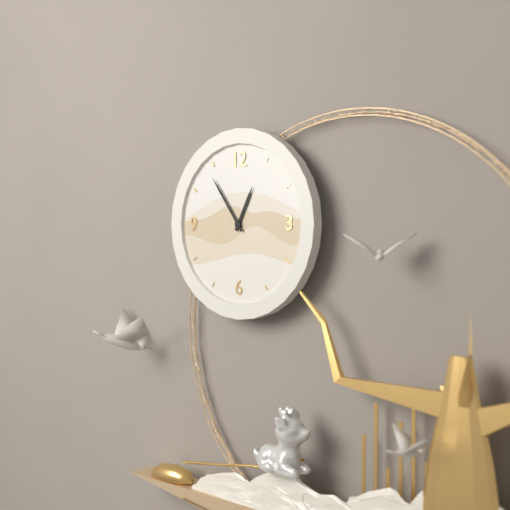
**12:54**
